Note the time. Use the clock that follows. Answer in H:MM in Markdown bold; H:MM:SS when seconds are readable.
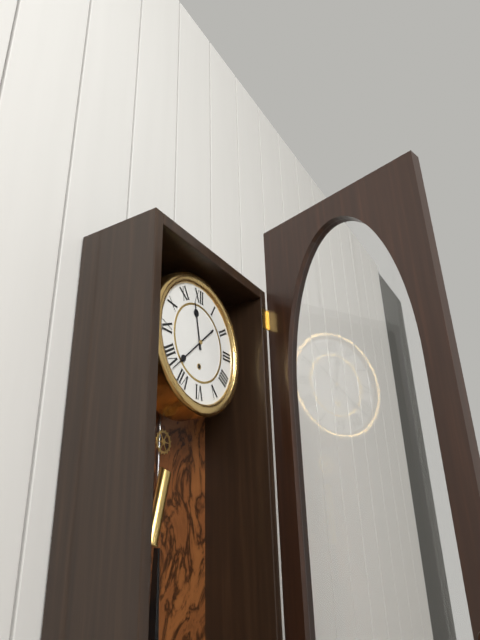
**11:38**
